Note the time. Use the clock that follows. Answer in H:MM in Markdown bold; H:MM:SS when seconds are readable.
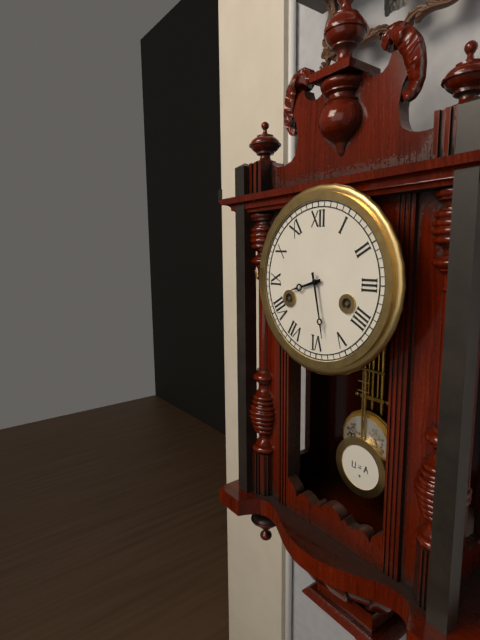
**8:28**
